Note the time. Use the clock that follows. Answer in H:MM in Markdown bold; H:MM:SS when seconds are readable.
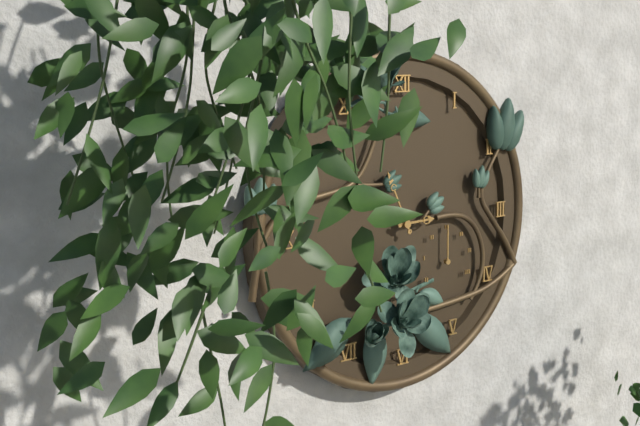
**2:56**
